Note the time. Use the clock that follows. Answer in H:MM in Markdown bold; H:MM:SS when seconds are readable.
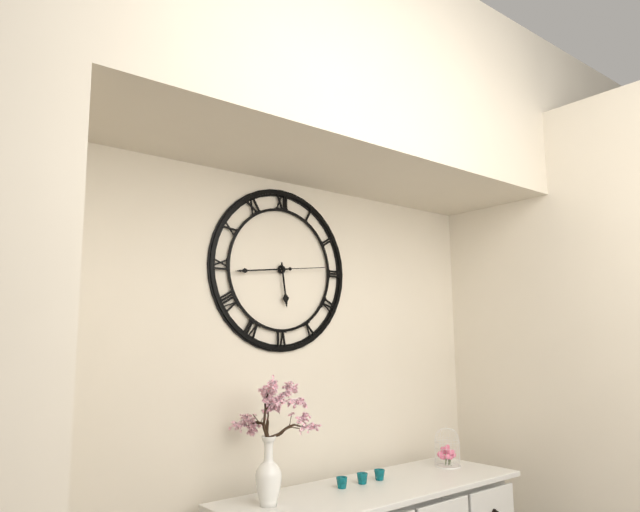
**5:44:14**
